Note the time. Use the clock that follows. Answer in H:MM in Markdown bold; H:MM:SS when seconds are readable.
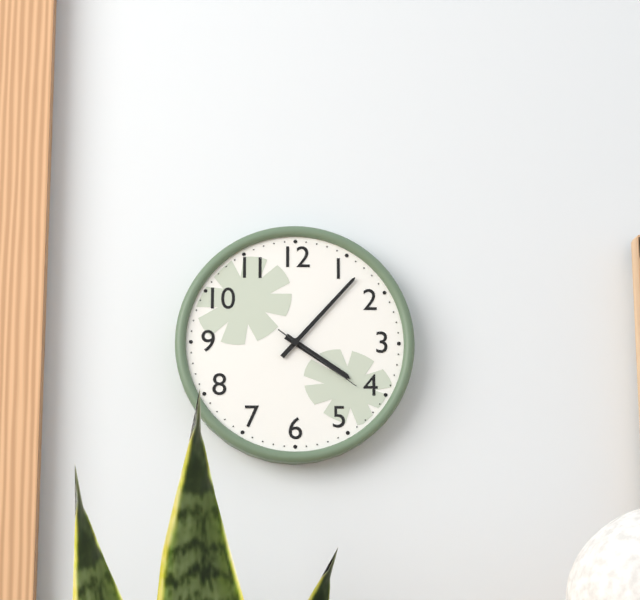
**4:07:21**
